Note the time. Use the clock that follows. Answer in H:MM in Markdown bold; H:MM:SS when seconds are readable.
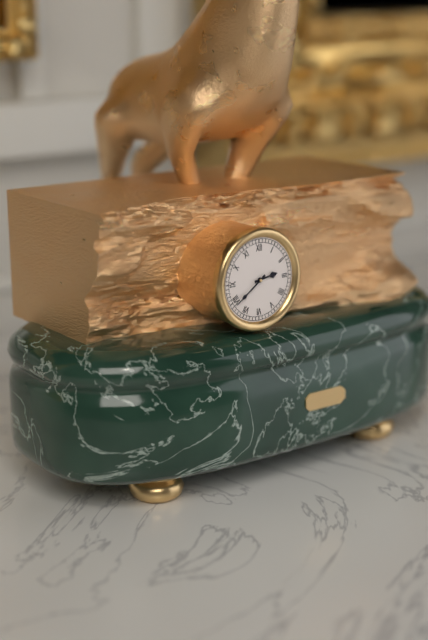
**2:39**
